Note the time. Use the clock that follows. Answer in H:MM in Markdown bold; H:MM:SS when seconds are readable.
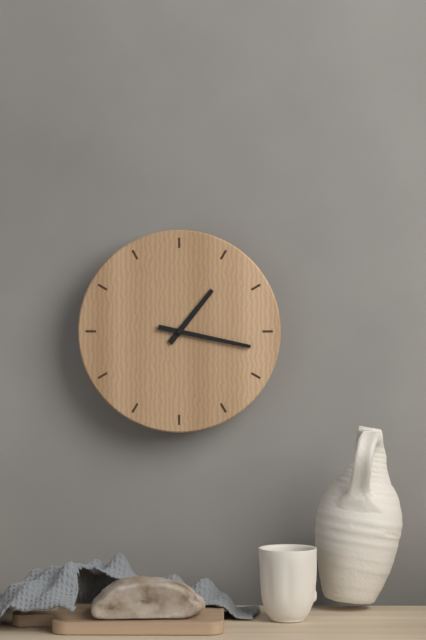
**1:17**
